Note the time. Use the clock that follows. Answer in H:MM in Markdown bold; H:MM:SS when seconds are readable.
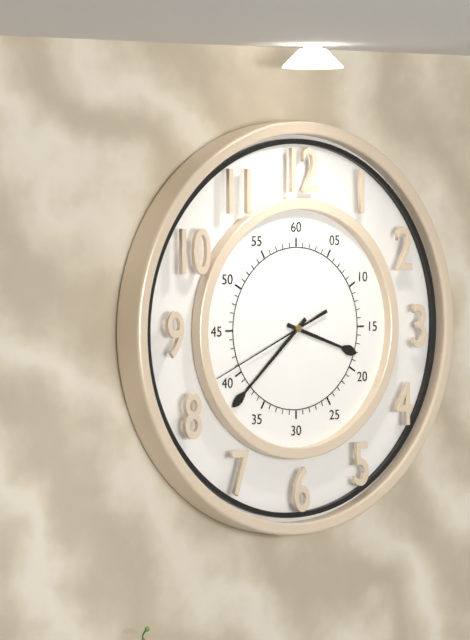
**3:38:41**
